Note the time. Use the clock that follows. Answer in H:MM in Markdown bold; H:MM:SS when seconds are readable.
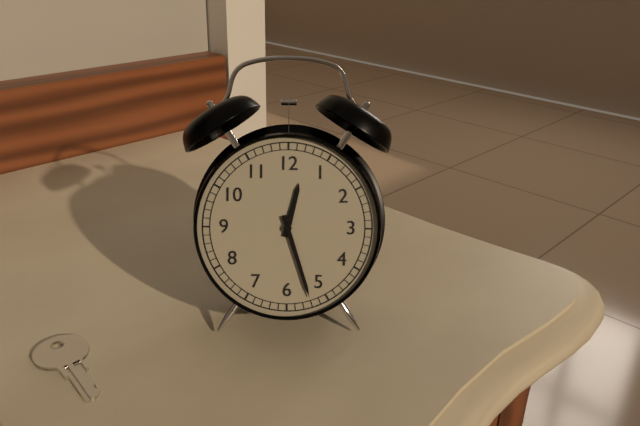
**12:27**
